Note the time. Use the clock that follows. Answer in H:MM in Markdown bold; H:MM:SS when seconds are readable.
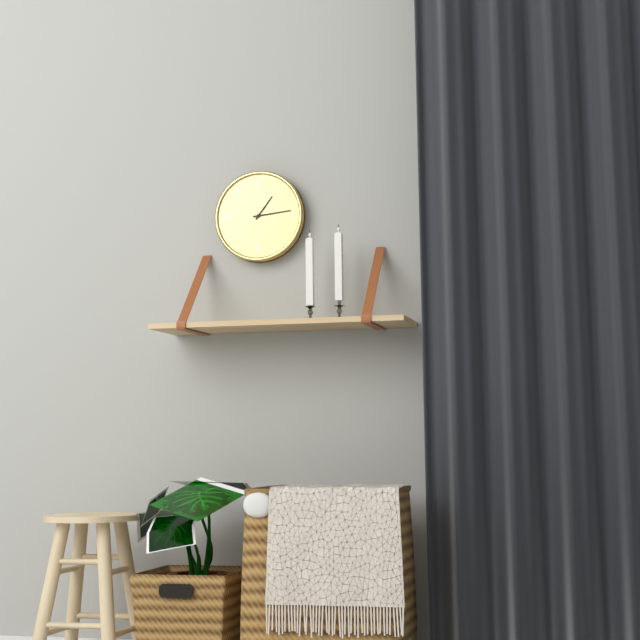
**1:14**
